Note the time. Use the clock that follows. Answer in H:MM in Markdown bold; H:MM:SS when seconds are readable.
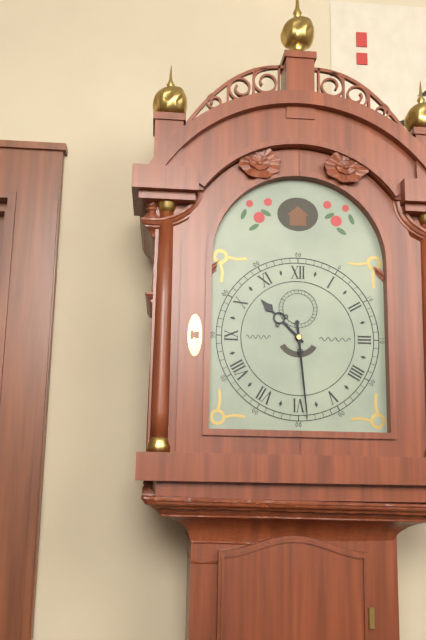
**10:29**
